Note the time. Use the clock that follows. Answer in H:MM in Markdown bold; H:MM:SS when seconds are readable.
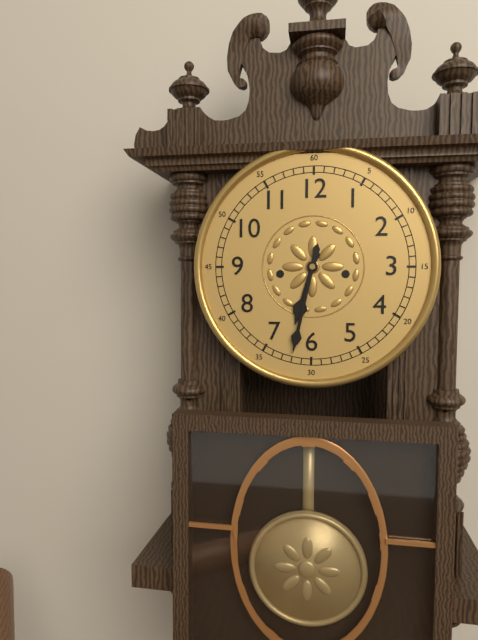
**6:32**
